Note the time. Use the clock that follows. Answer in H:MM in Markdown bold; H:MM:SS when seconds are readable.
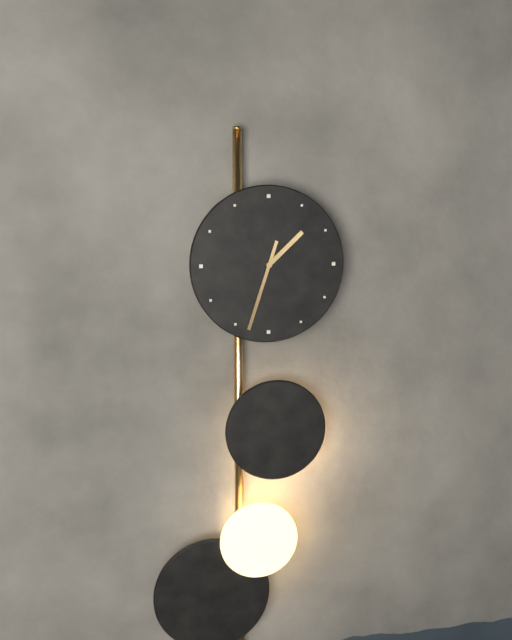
**1:33**
